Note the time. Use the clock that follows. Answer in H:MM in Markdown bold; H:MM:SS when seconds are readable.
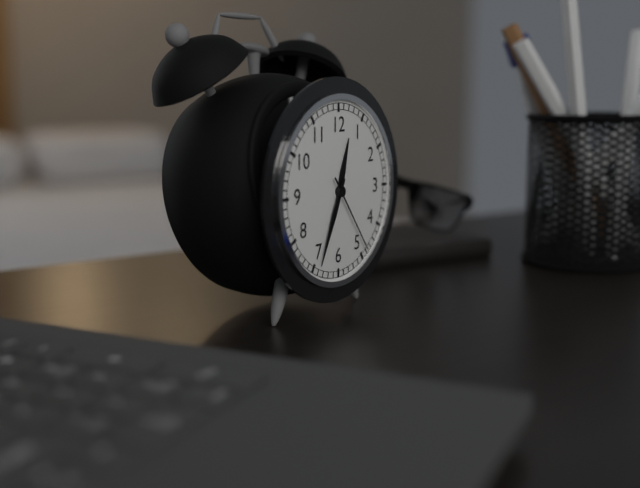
**12:34:24**
